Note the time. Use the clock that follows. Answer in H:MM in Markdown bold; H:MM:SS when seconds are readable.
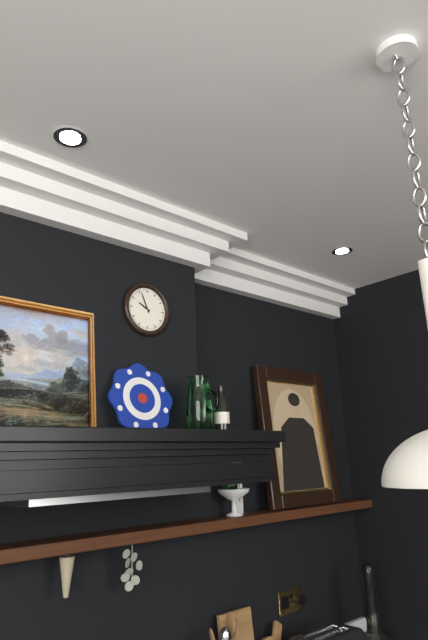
**9:56**
